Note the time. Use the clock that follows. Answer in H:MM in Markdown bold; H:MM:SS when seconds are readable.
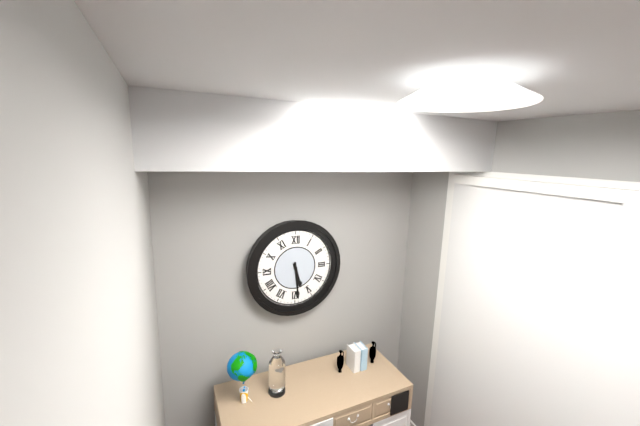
**5:29**
